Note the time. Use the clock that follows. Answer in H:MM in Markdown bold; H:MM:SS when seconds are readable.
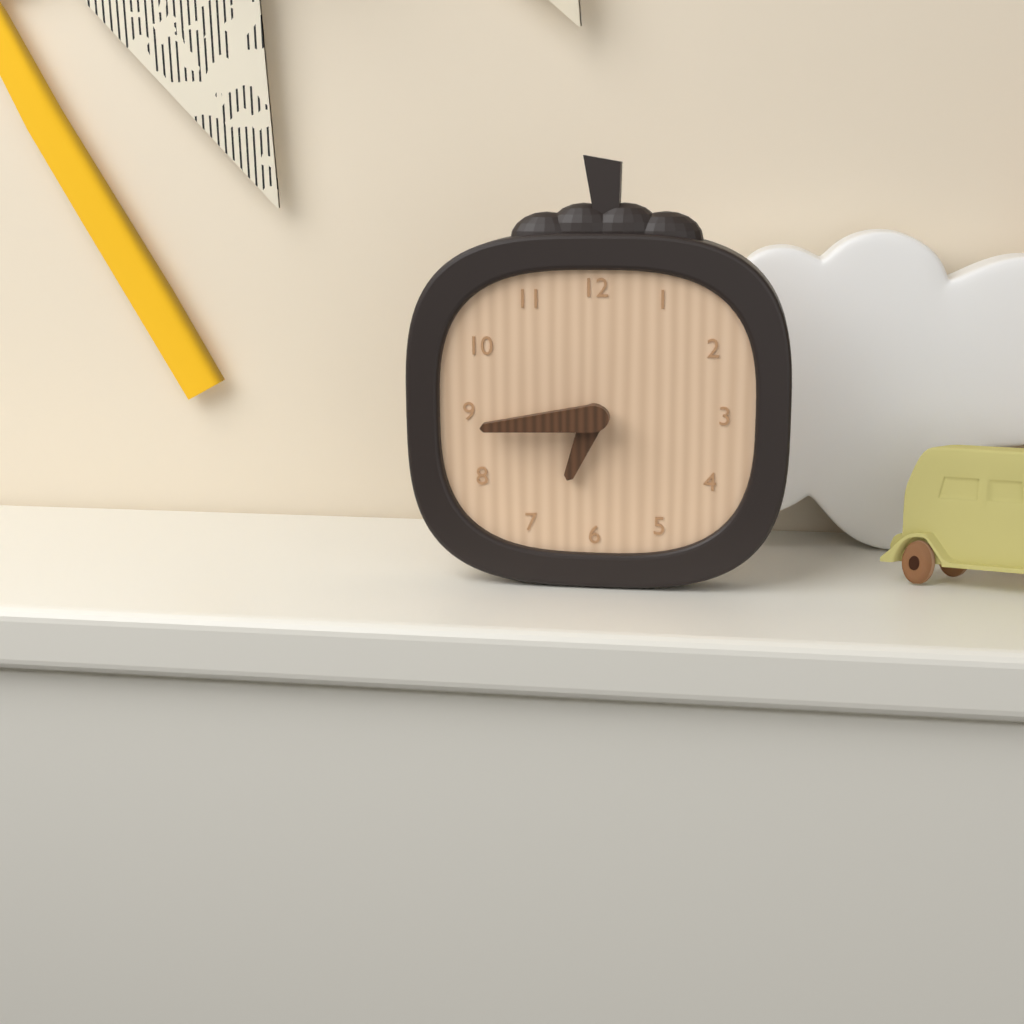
**6:44**
